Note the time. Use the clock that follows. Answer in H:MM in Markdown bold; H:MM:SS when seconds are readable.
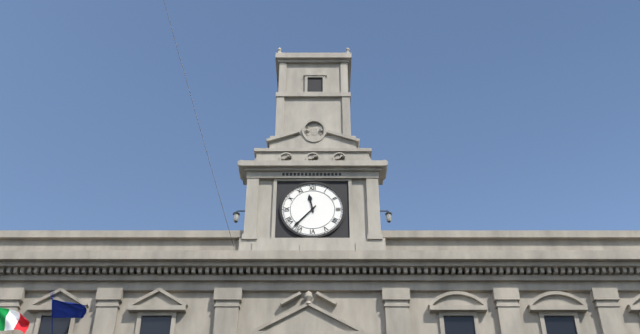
**11:37**
